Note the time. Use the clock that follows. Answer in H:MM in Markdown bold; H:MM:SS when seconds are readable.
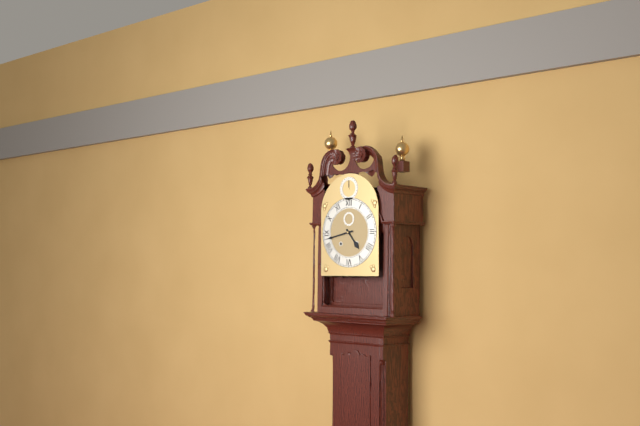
**4:43**
